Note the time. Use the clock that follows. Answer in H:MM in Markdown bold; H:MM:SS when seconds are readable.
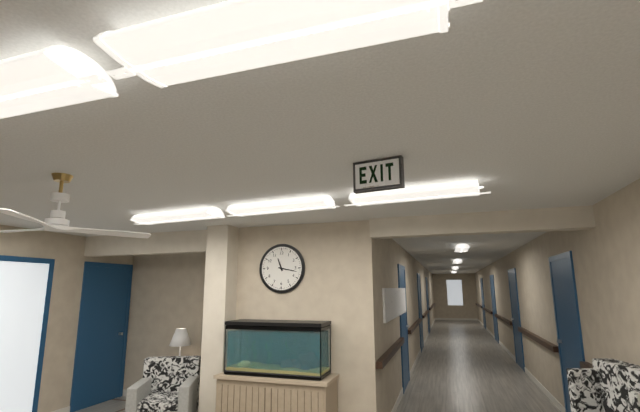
**11:17**
